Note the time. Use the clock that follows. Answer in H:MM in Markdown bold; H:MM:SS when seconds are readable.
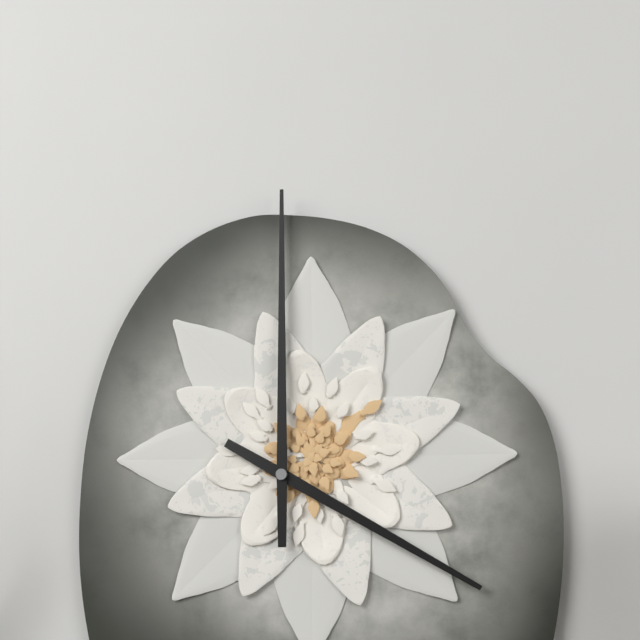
**4:00**
